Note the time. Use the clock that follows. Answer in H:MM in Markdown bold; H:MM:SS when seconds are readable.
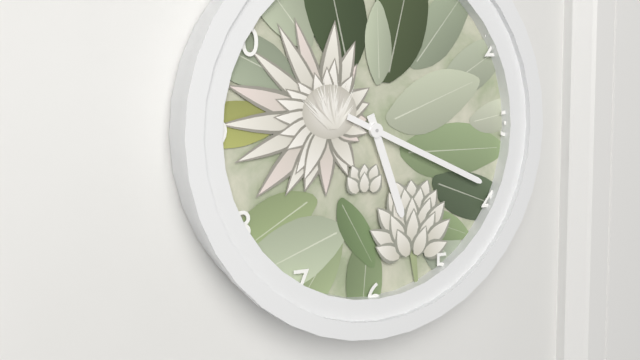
**5:19**
